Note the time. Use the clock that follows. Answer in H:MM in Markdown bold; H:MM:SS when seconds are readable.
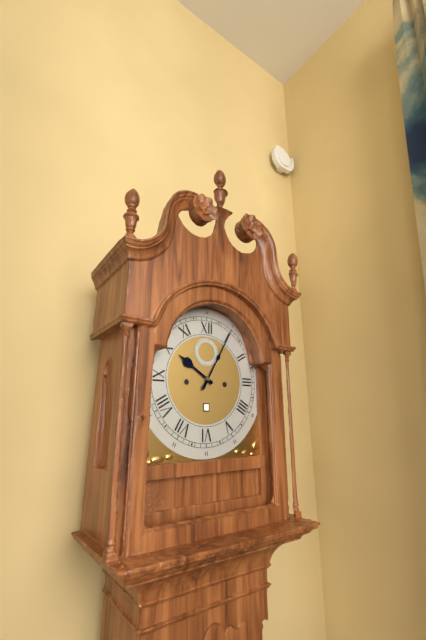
**10:05**
